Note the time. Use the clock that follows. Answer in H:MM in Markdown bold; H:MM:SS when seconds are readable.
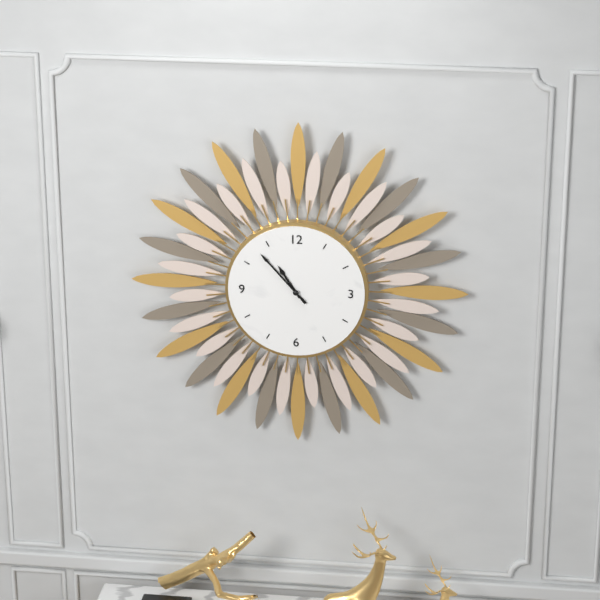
**10:53**
